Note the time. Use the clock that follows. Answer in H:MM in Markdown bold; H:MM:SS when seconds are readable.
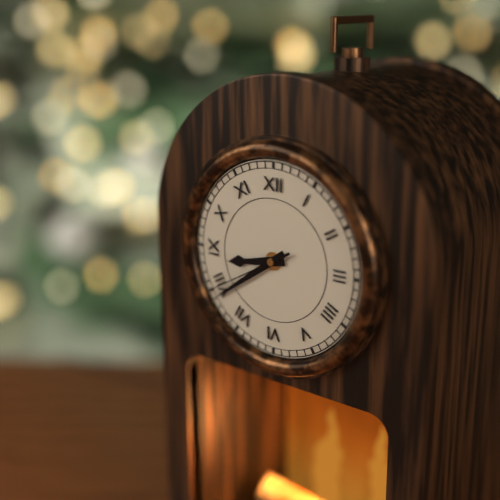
**8:39:40**
